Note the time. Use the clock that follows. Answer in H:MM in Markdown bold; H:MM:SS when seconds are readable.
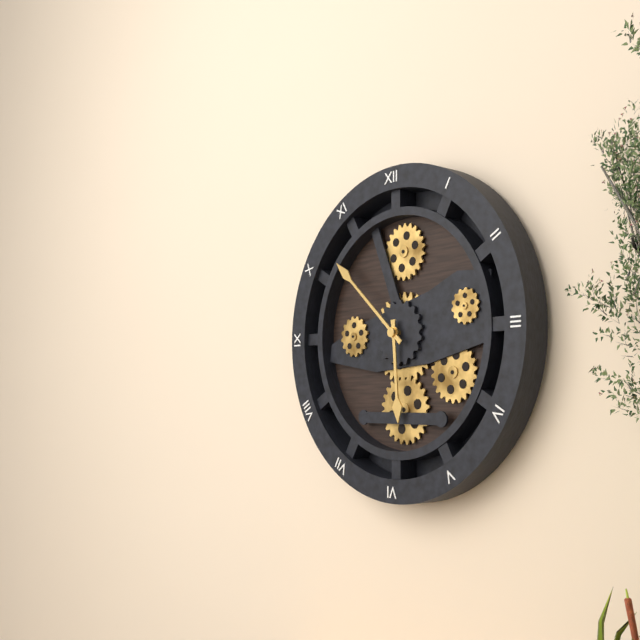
**5:52**
